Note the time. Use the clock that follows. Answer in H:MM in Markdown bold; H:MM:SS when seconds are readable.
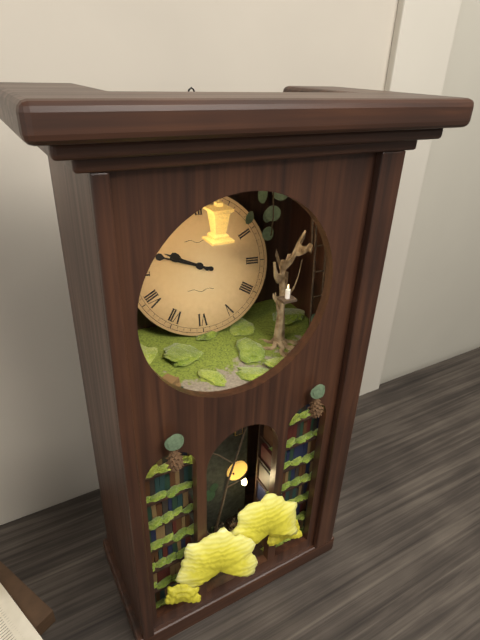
**9:48**
